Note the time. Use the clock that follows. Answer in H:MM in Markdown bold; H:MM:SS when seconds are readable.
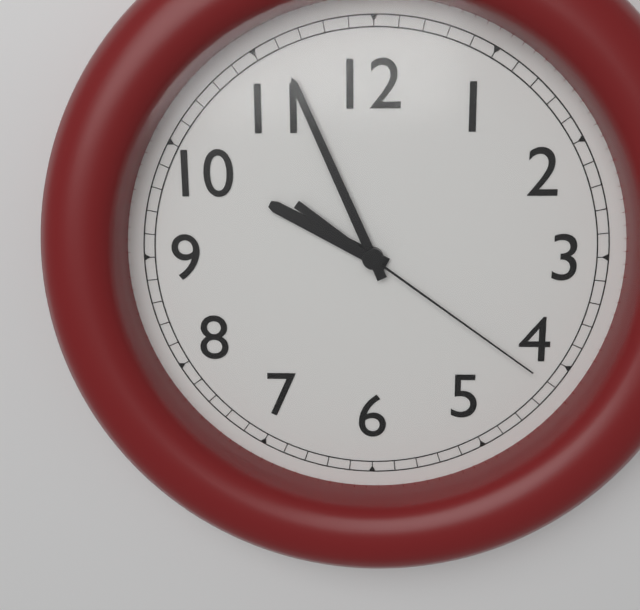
**9:56:21**
